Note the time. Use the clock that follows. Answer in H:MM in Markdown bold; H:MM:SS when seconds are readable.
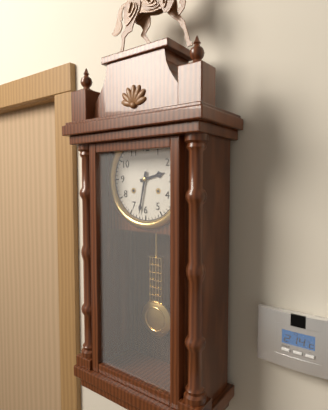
**2:32**
